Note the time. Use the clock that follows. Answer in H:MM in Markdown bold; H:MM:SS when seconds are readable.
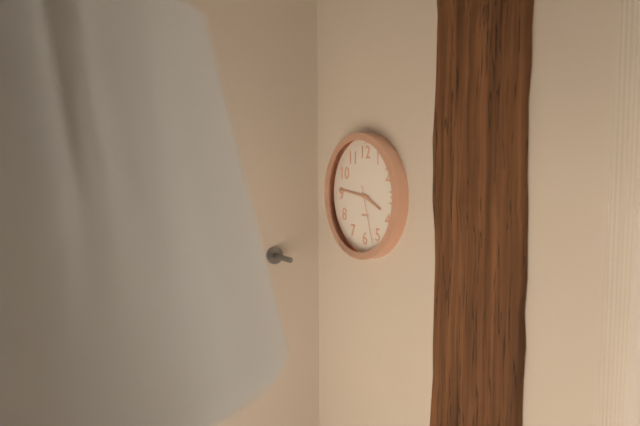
**3:46:27**
